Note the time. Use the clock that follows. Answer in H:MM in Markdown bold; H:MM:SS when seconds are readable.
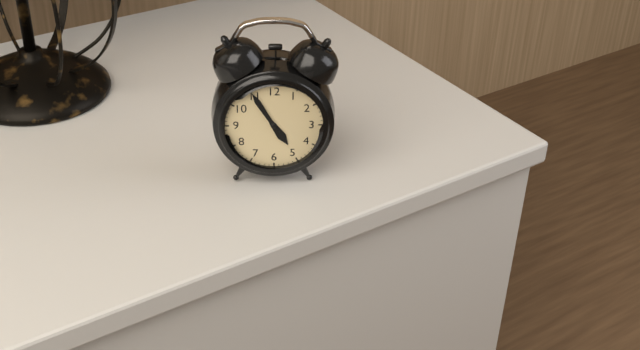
**4:55**
